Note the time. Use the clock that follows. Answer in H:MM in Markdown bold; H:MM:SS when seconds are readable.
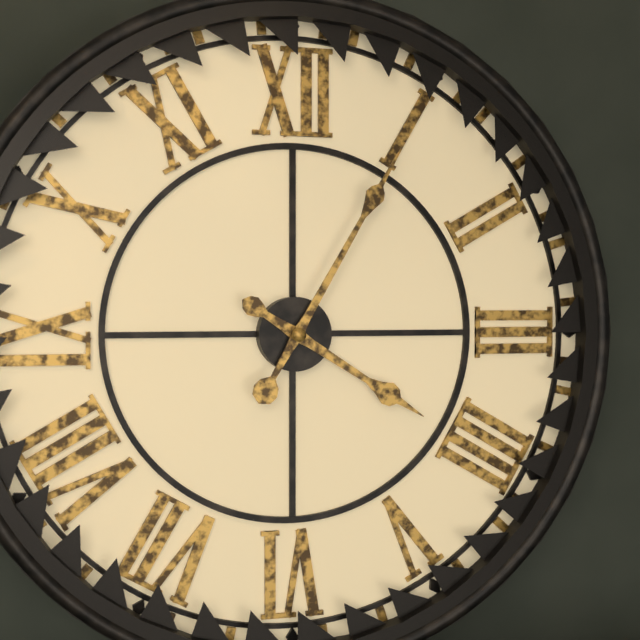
**4:05**
